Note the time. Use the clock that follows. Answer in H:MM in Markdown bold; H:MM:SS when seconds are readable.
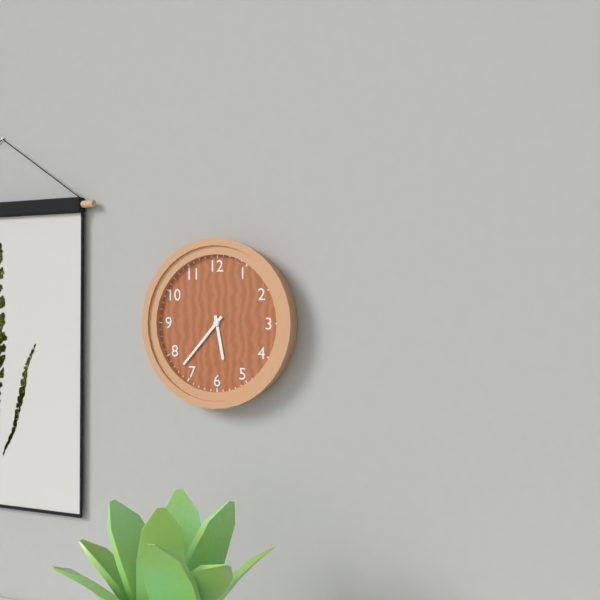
**5:37**
